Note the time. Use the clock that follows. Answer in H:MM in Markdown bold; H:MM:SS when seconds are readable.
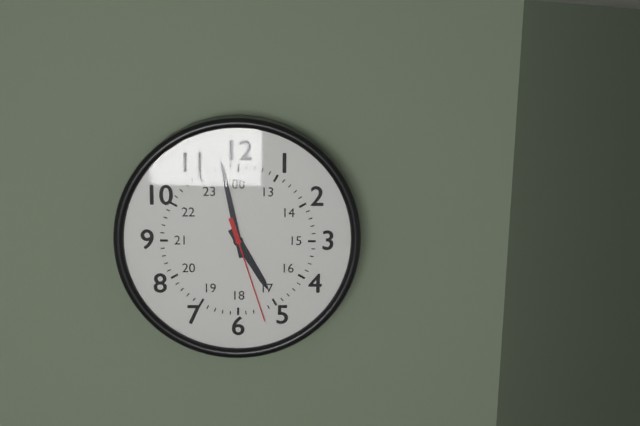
**4:58:27**
